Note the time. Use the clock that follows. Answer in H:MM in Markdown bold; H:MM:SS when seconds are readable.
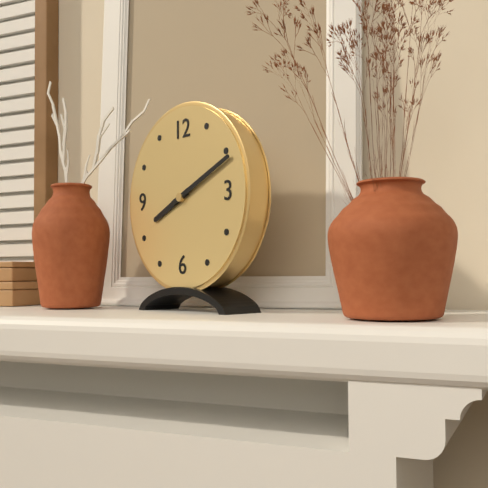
**8:11**
